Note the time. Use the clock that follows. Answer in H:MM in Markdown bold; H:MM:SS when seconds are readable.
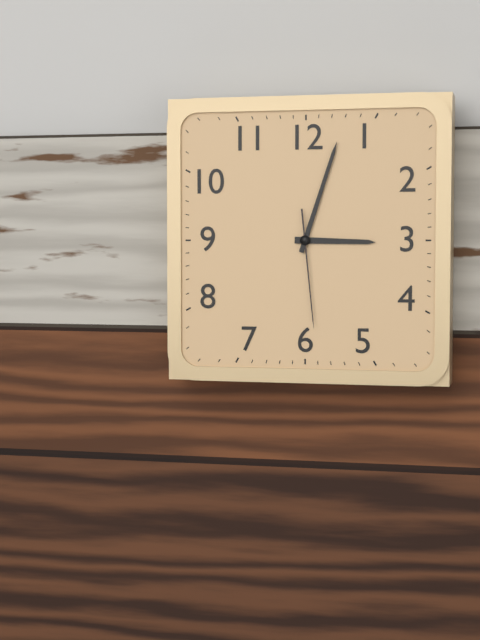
**3:03:29**
